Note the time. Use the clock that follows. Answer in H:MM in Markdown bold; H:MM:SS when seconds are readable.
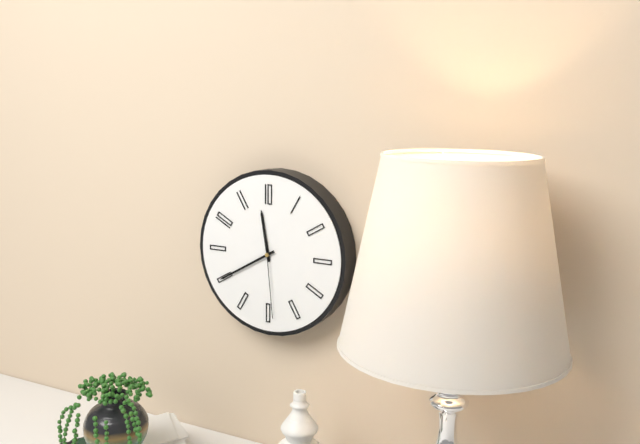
**11:40:29**
